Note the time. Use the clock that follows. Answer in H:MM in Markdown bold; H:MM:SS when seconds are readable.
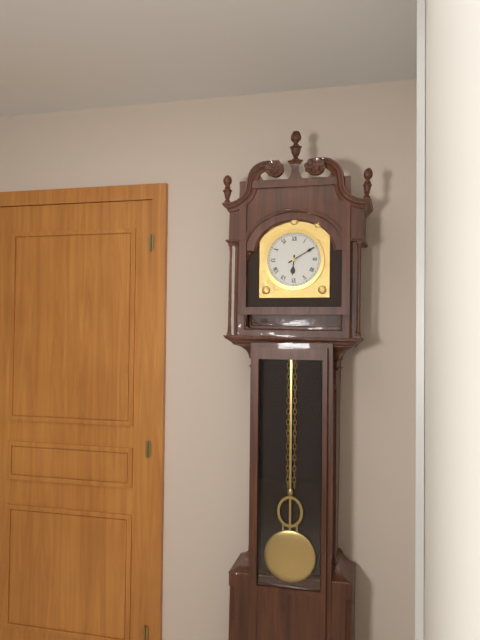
**6:10**
